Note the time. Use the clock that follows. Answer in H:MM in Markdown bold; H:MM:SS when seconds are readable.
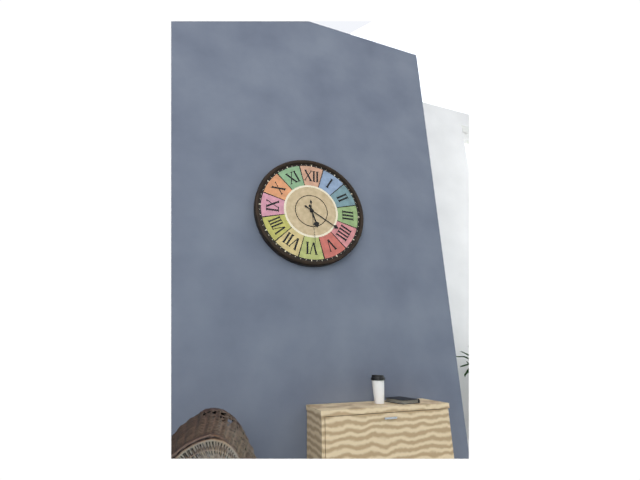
**5:20**
